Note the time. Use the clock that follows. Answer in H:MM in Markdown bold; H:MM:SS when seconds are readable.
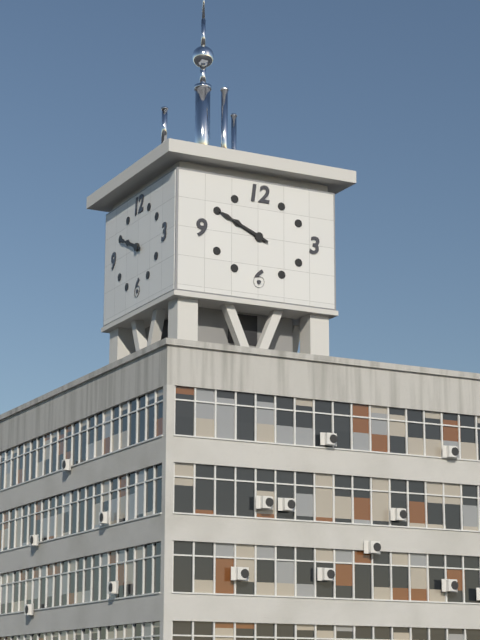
**9:49**
